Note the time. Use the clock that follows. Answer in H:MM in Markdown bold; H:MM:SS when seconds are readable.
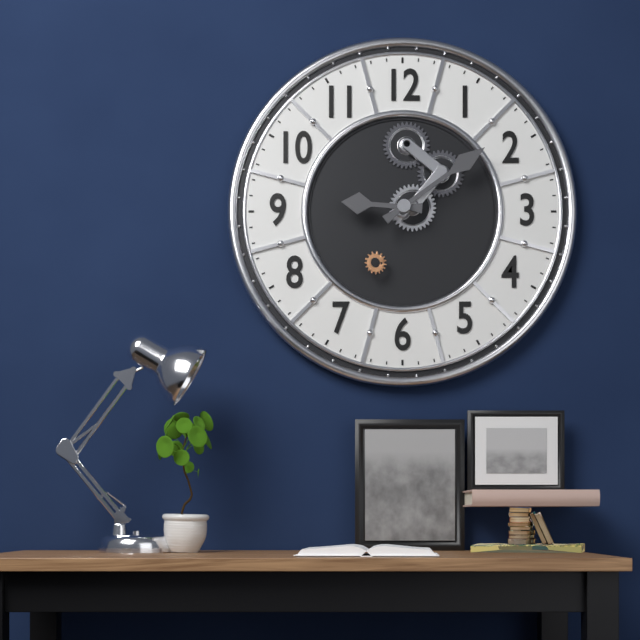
**9:09**
